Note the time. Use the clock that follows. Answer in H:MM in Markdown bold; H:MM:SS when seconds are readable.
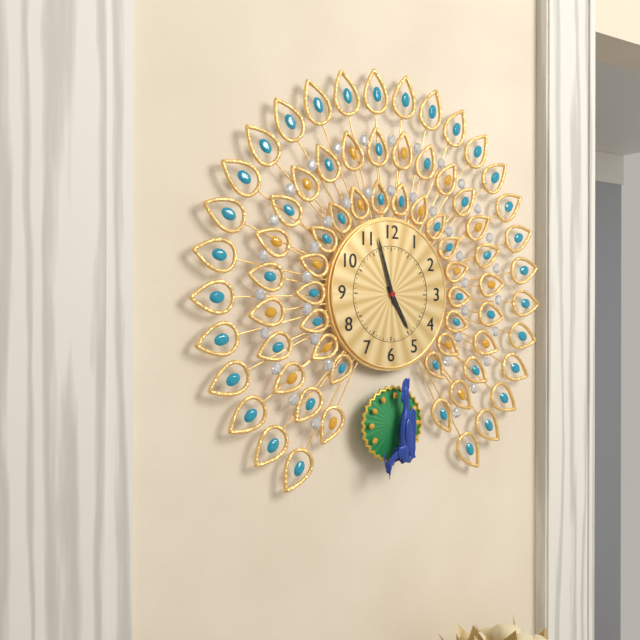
**4:57**
